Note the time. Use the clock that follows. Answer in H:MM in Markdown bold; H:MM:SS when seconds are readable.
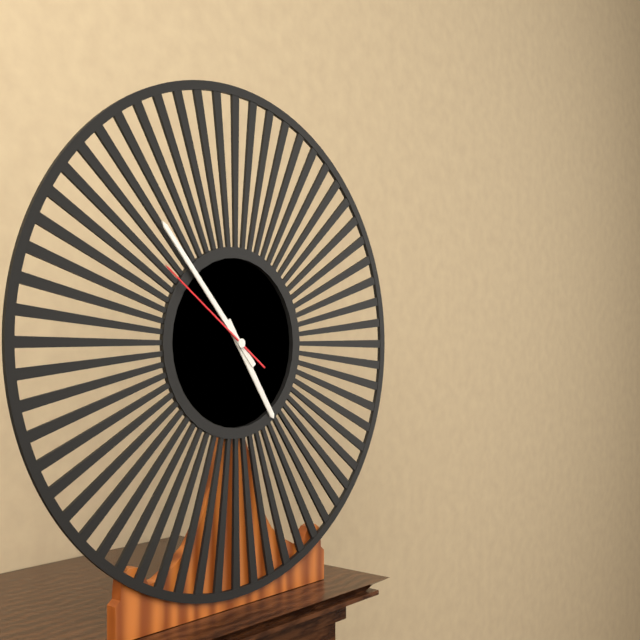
**4:53:51**
